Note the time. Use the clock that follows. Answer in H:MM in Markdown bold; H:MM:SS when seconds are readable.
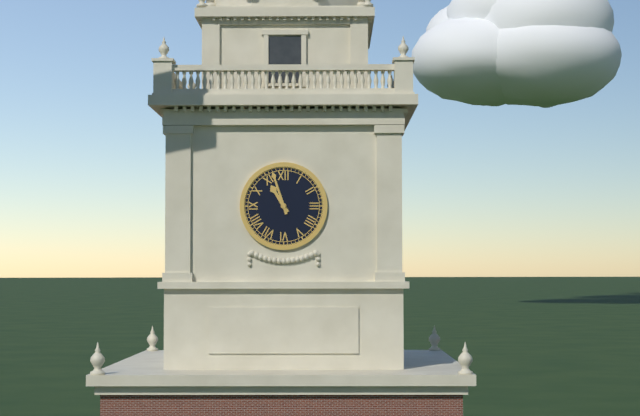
**10:57**
